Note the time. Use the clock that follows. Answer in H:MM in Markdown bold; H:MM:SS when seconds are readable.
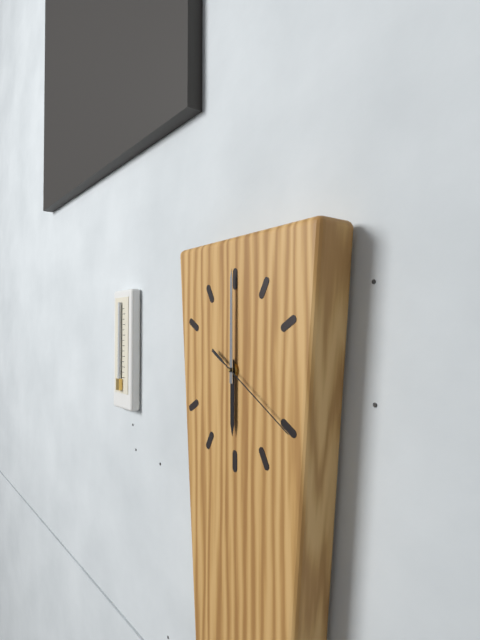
**6:00:20**
